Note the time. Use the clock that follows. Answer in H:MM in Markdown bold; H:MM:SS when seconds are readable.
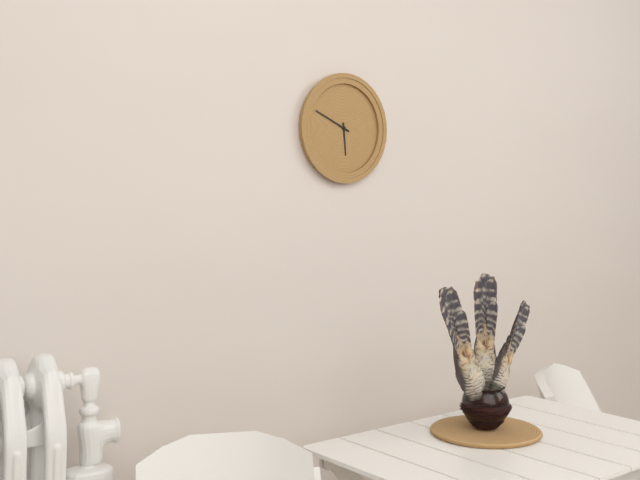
**5:49**
